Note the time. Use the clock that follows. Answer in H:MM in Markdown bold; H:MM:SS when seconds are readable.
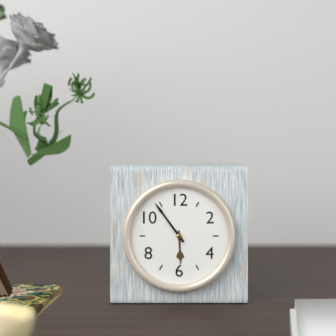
**5:54**
